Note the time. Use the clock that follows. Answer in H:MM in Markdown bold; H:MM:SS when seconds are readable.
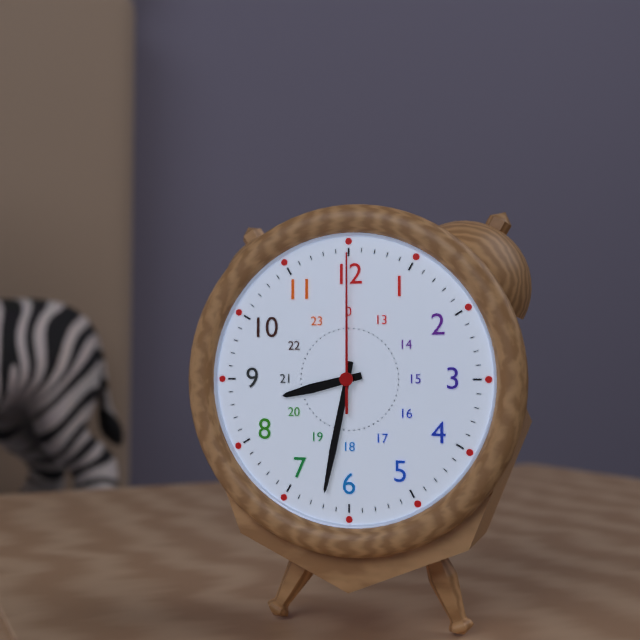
**8:32:00**
